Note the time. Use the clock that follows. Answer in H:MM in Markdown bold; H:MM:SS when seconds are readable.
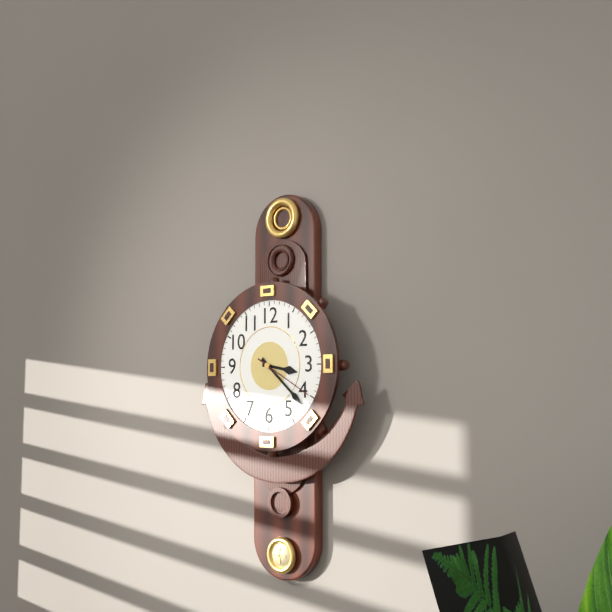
**3:22:20**
